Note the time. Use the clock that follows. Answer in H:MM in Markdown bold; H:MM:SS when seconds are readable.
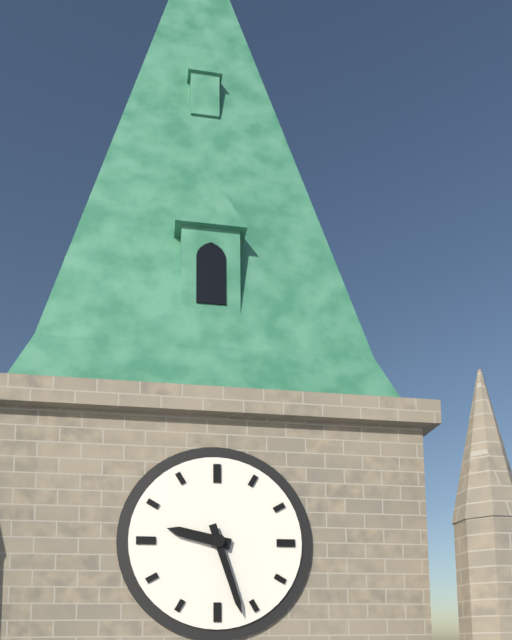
**9:27**
